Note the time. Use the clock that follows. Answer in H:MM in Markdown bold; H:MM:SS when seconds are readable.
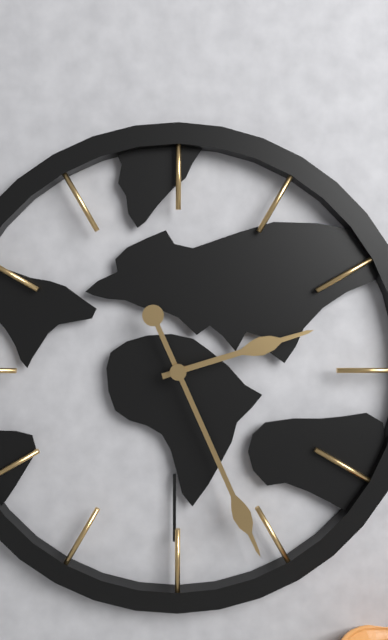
**2:26**
